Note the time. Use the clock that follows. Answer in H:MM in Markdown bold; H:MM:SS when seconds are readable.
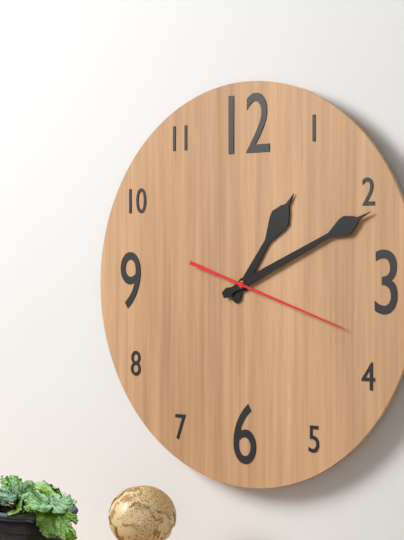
**1:11:18**
